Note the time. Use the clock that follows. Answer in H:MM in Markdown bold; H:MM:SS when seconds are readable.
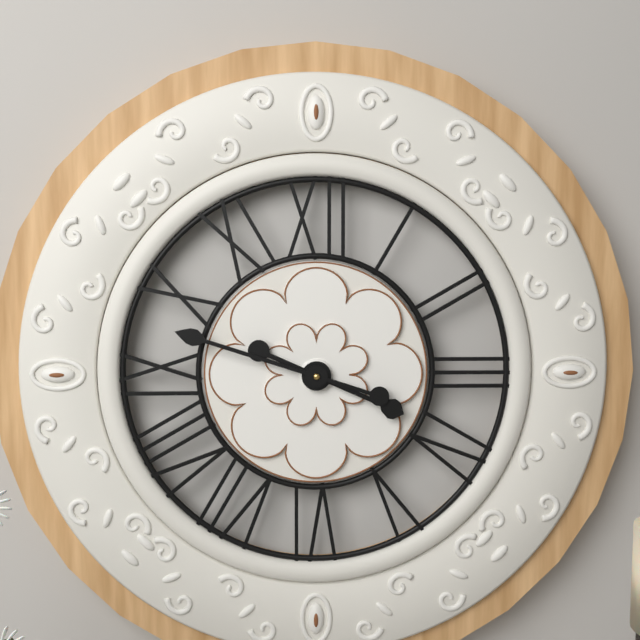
**3:48**
